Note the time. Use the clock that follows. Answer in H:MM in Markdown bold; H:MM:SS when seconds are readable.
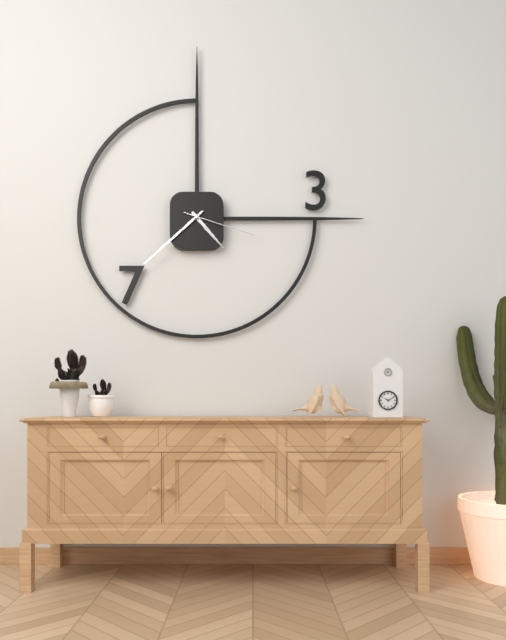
**4:38:18**
